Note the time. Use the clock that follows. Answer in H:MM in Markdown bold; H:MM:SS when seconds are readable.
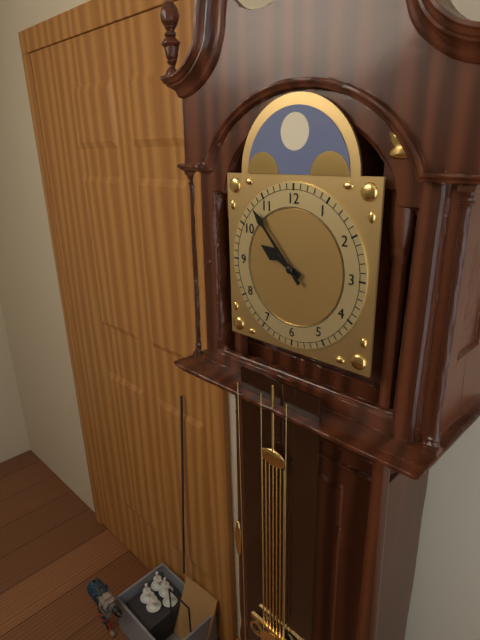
**9:53**
